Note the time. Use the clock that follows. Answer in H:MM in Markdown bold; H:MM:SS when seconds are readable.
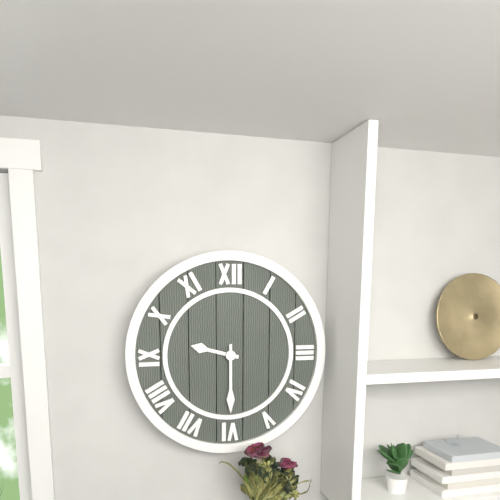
**9:30**
